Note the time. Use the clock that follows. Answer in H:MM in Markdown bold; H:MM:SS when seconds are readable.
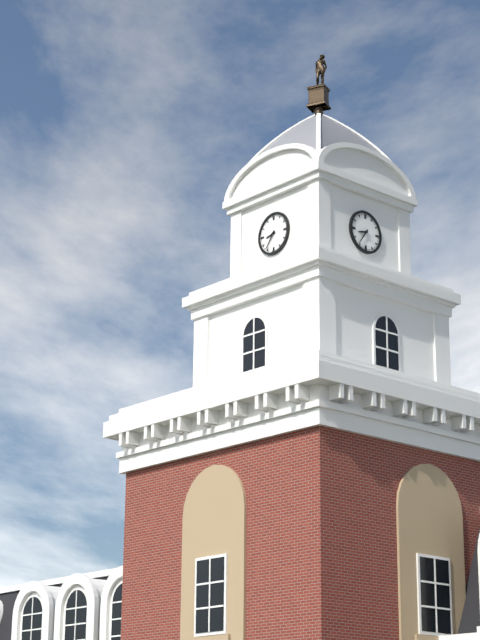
**8:36**
